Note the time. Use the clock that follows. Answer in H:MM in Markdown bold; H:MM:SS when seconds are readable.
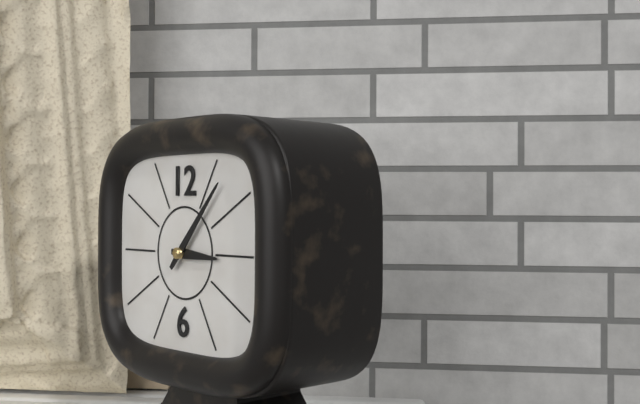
**3:07**
